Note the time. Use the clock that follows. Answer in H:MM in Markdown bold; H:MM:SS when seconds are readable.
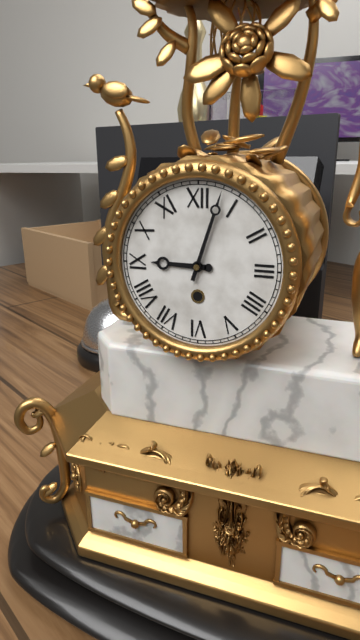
**9:03**
